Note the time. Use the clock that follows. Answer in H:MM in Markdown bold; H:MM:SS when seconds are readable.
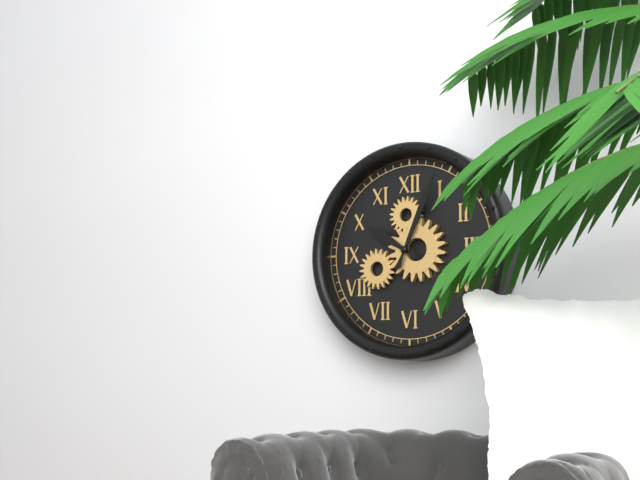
**10:04**
